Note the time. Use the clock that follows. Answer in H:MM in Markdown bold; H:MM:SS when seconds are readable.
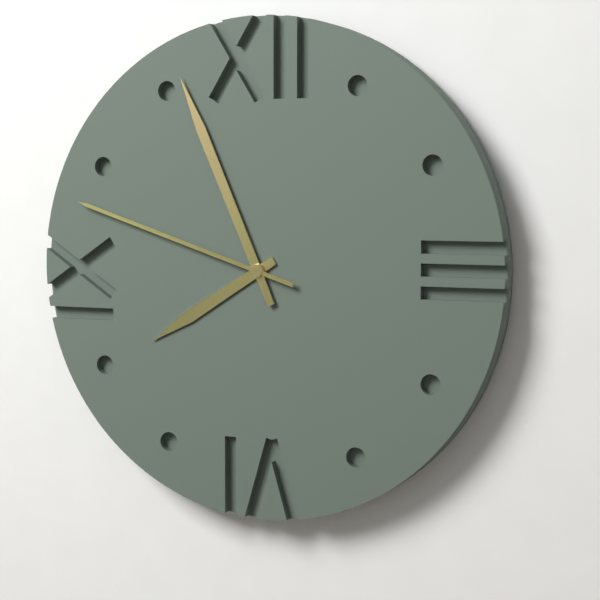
**7:56:48**
